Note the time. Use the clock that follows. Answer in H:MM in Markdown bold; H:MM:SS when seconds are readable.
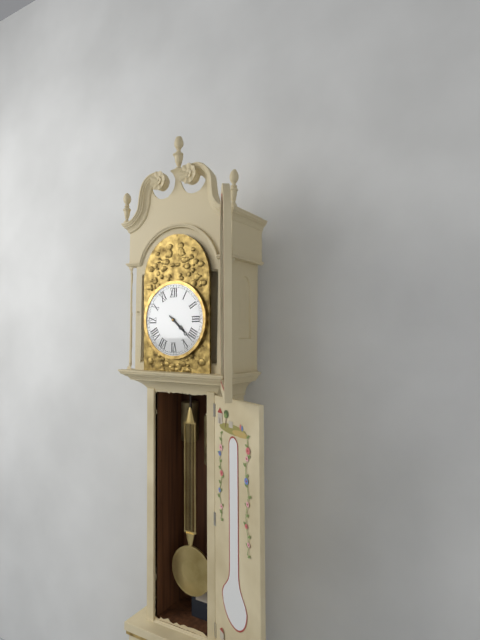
**4:22**
